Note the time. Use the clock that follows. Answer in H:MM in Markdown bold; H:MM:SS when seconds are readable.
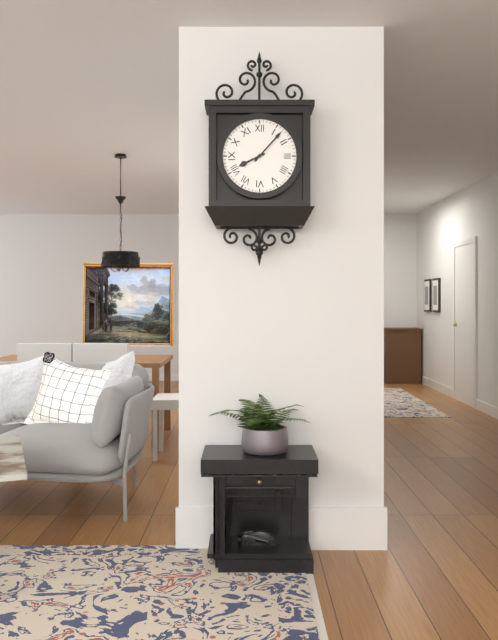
**8:07**
